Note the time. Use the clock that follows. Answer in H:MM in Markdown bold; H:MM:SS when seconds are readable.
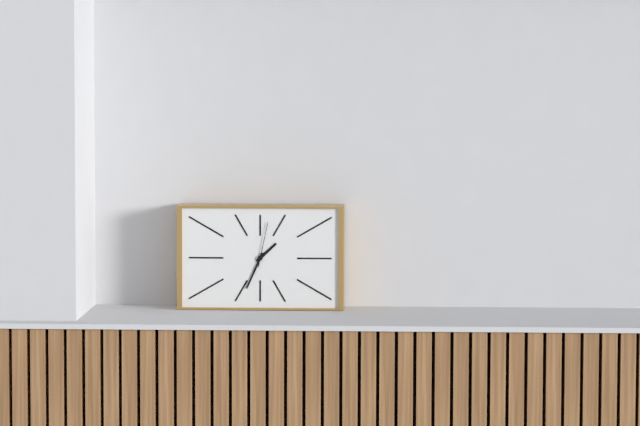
**1:34**
